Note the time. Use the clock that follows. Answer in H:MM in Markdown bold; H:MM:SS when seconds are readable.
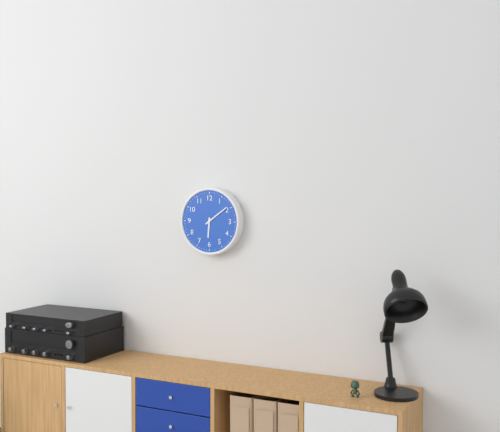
**6:09**
